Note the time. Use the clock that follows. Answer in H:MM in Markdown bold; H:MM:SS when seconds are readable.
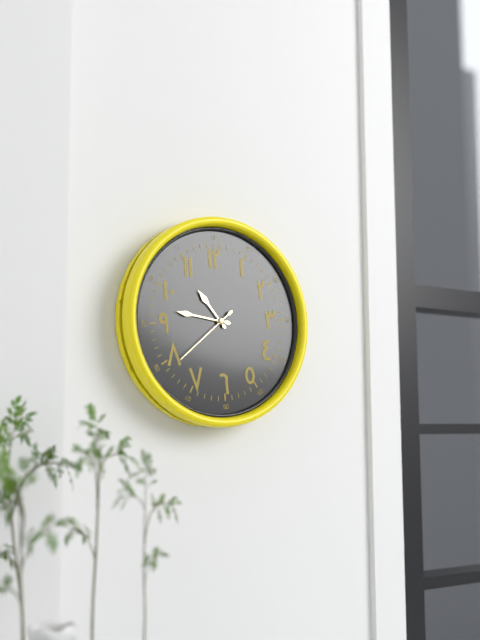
**10:47:39**
